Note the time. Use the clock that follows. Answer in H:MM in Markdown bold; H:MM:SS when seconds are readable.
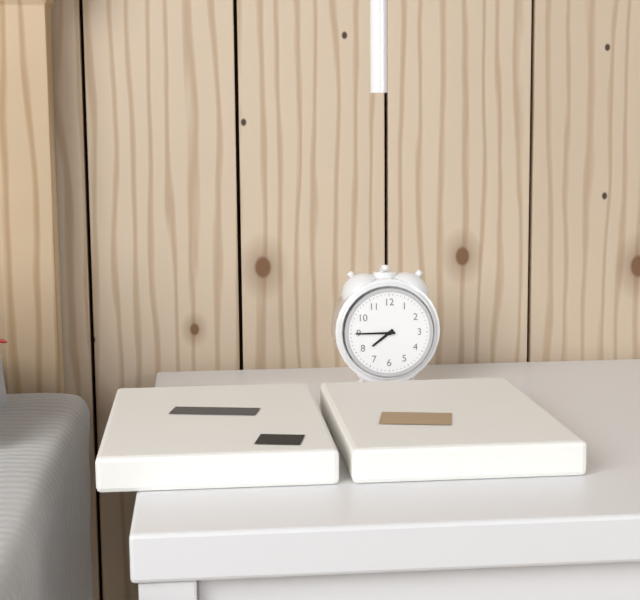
**7:45**
